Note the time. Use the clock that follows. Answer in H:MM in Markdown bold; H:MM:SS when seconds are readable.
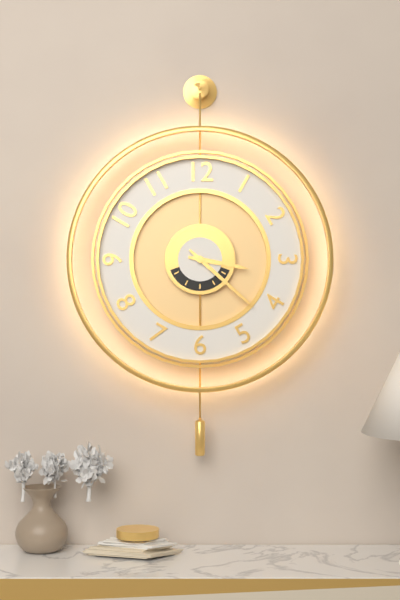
**3:22**
